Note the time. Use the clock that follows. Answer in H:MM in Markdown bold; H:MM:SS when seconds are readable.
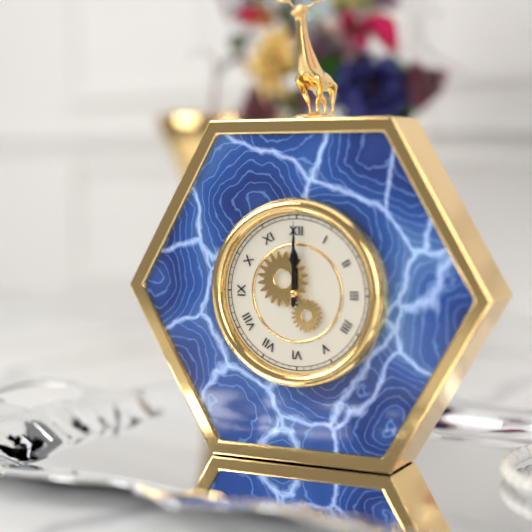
**12:00**
